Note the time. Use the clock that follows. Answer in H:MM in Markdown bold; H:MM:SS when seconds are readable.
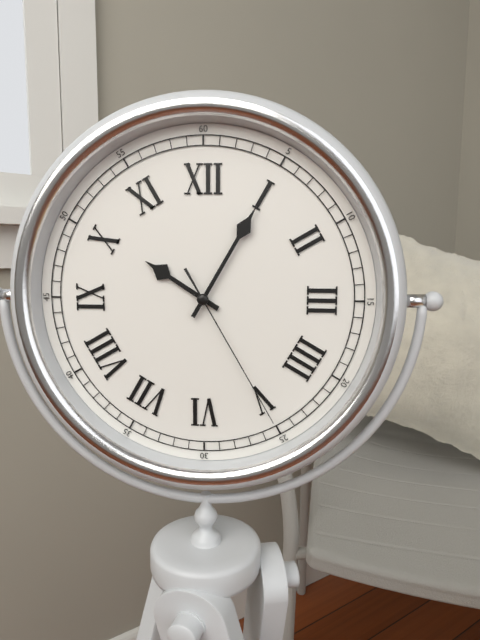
**10:05:25**
